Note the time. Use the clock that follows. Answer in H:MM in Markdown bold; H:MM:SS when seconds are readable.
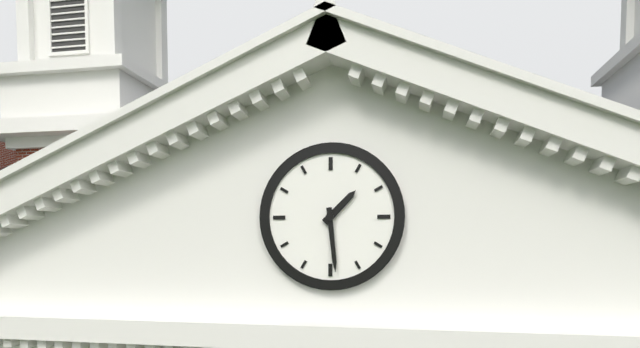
**1:29**
